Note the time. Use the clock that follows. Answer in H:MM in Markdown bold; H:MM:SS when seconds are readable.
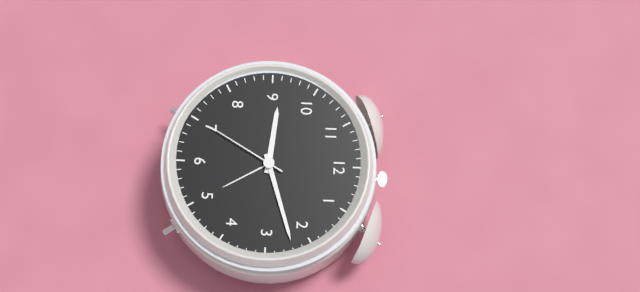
**9:12:35**
